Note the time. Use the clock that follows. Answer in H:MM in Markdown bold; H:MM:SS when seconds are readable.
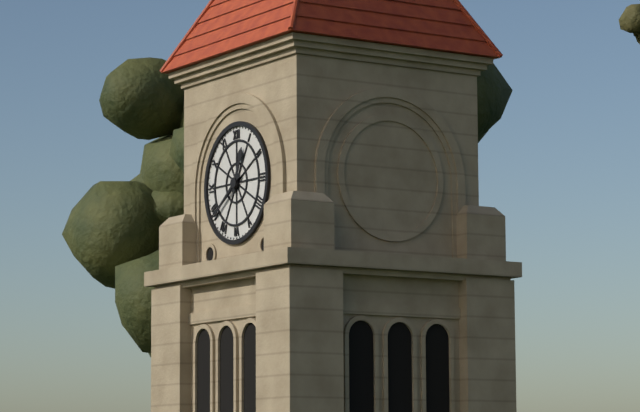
**12:39**
